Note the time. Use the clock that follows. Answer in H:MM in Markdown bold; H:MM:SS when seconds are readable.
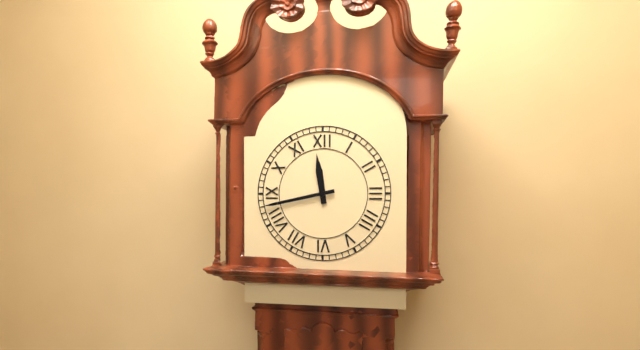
**11:43**
